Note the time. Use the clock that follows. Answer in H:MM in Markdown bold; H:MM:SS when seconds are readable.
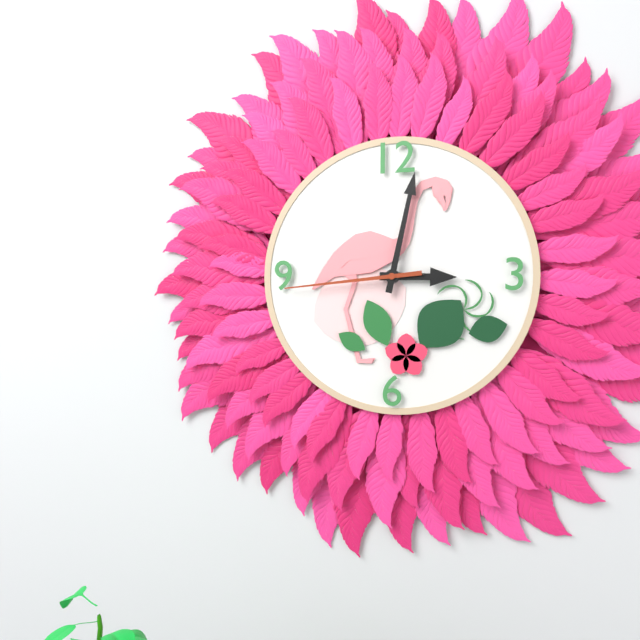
**3:02:44**
